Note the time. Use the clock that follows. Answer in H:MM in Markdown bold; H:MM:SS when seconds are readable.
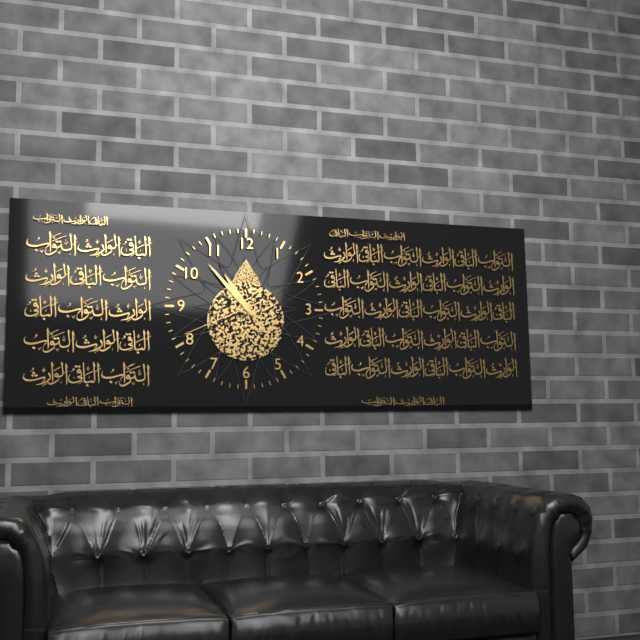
**10:53:41**
